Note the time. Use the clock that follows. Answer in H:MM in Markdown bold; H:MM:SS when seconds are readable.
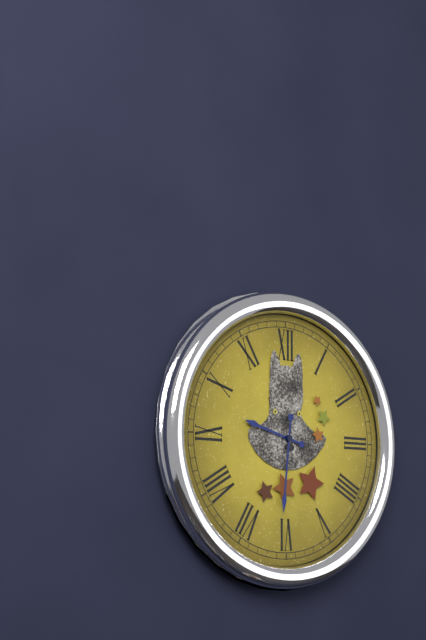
**9:31**
